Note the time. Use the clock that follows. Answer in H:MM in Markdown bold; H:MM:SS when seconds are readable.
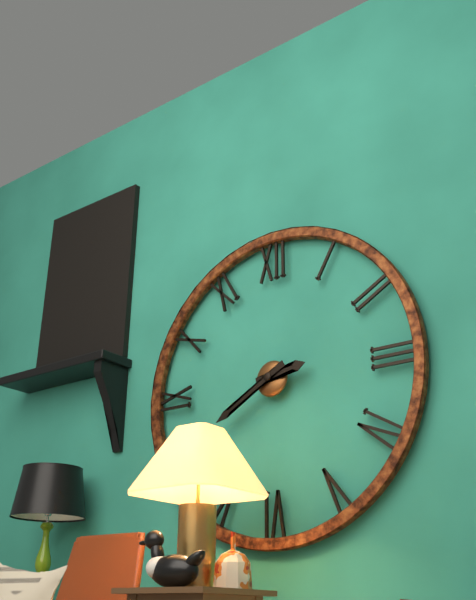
**2:40**
